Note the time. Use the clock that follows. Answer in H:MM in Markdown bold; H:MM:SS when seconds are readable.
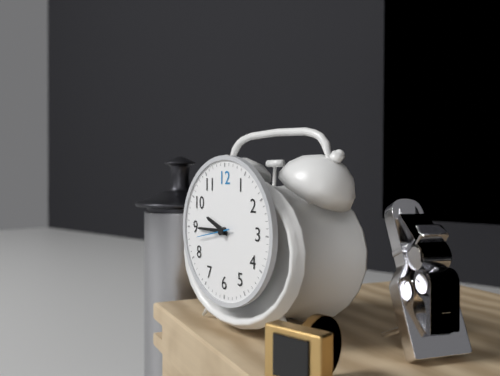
**9:45**
